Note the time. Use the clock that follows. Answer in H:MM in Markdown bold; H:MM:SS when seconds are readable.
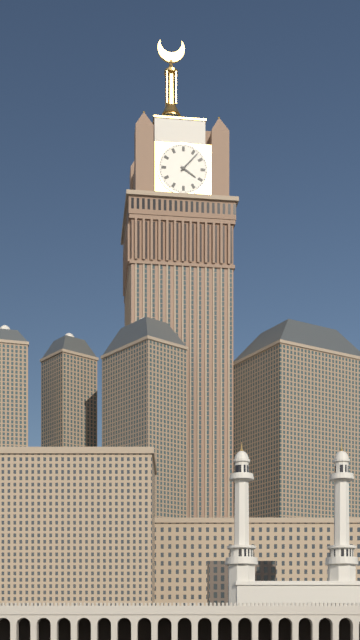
**4:07**
